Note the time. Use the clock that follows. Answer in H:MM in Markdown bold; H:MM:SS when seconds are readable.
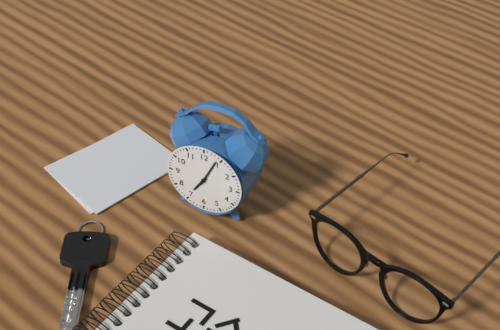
**7:04**
